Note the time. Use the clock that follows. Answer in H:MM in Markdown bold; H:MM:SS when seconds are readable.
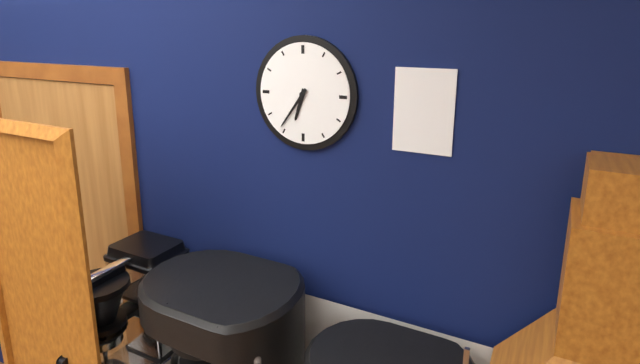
**6:36**
